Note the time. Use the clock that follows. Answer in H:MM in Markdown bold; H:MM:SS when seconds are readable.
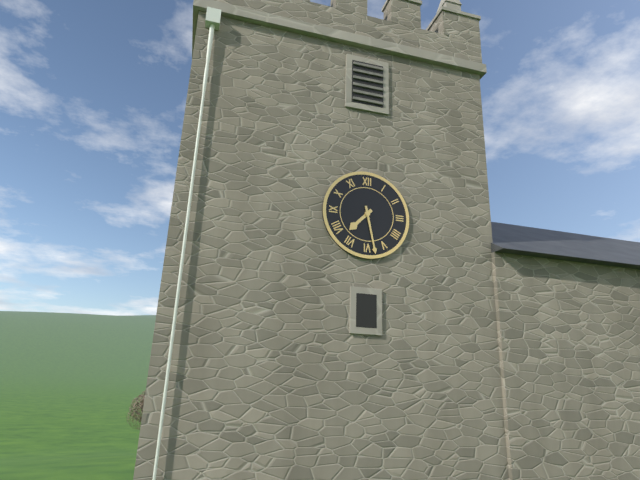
**7:28**
